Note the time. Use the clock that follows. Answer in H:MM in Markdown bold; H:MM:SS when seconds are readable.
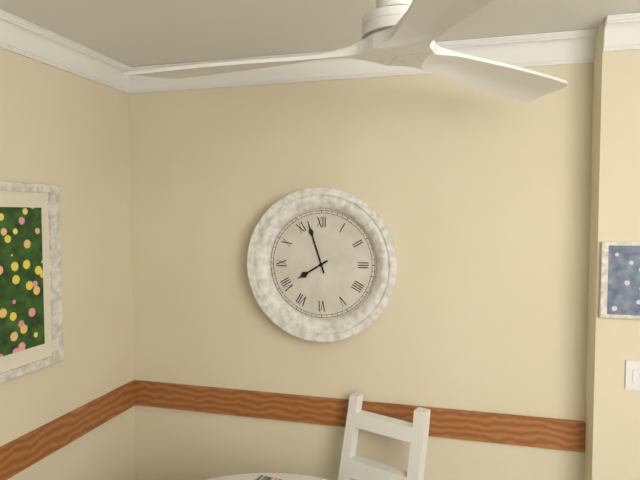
**7:57**
